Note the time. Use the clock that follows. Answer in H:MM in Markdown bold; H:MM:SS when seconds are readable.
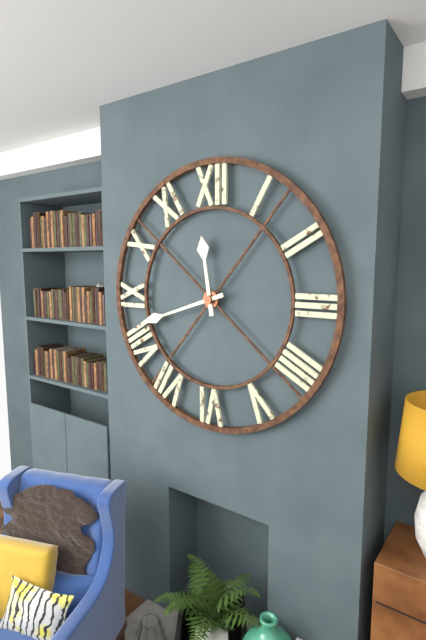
**11:42**
